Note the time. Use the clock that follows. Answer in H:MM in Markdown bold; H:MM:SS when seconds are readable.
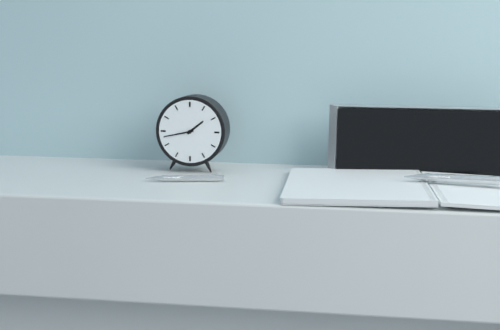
**1:43**
